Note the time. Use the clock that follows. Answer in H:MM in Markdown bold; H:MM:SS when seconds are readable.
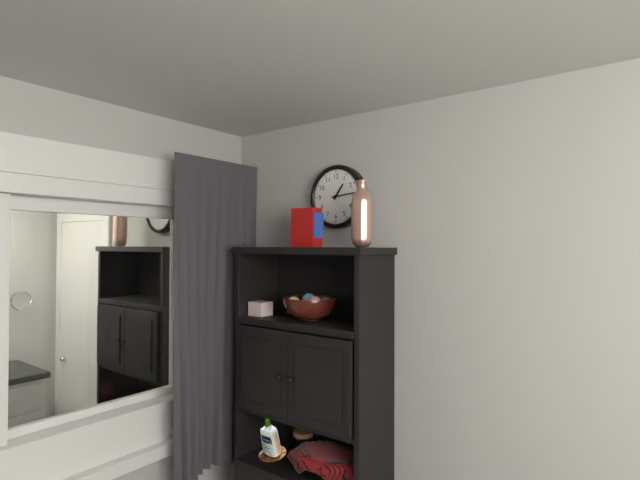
**1:14**
